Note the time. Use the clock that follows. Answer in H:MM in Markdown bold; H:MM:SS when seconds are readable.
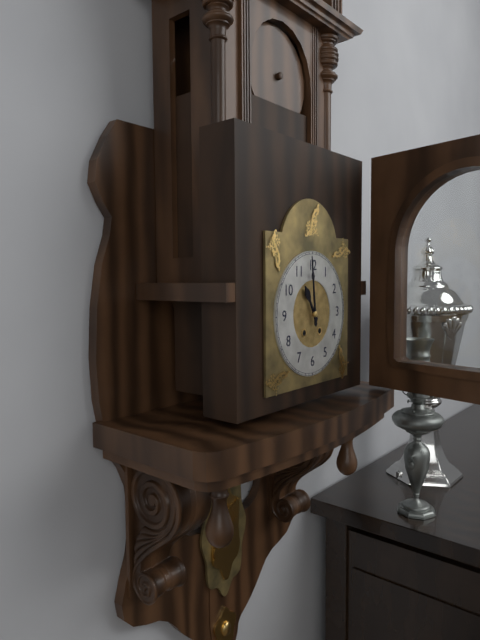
**10:59**
